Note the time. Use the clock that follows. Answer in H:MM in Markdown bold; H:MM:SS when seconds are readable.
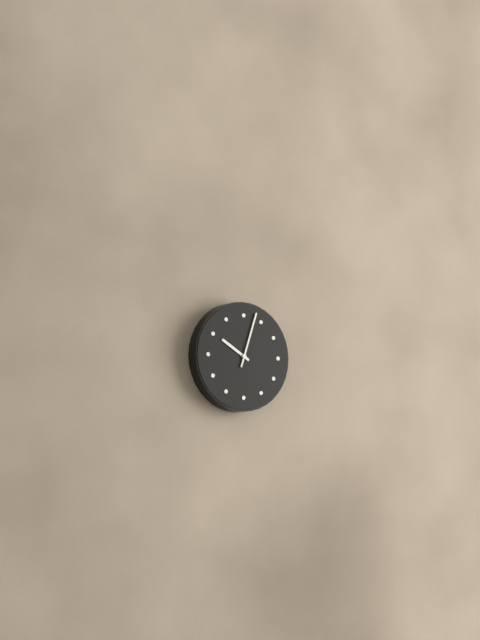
**10:03**
